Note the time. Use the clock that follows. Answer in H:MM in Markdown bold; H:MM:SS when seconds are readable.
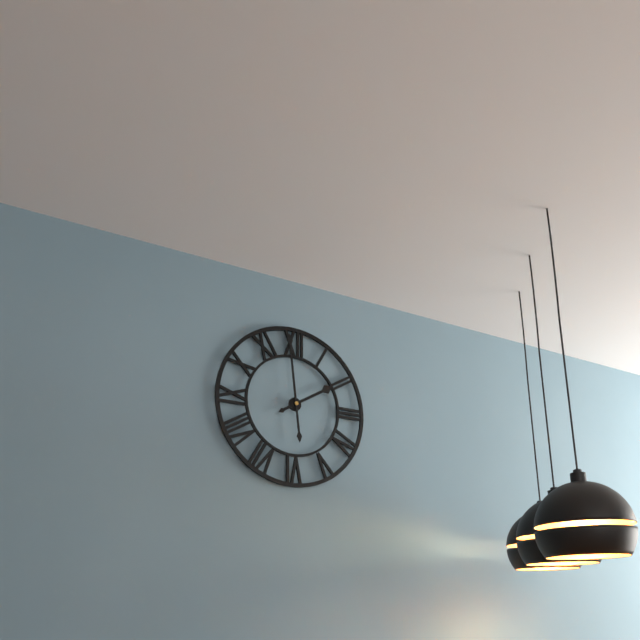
**1:59**
